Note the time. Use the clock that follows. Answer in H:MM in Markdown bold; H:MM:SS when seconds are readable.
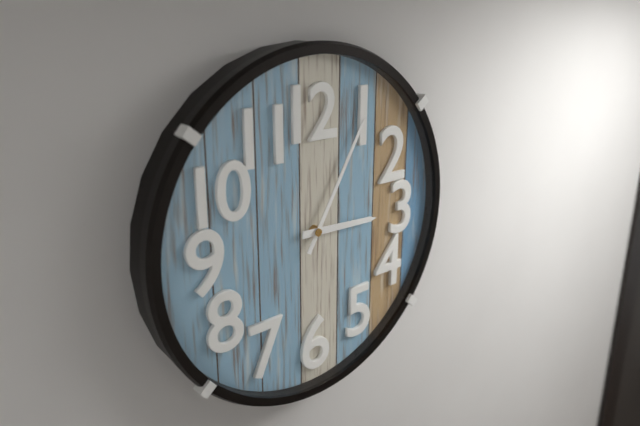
**3:05**
